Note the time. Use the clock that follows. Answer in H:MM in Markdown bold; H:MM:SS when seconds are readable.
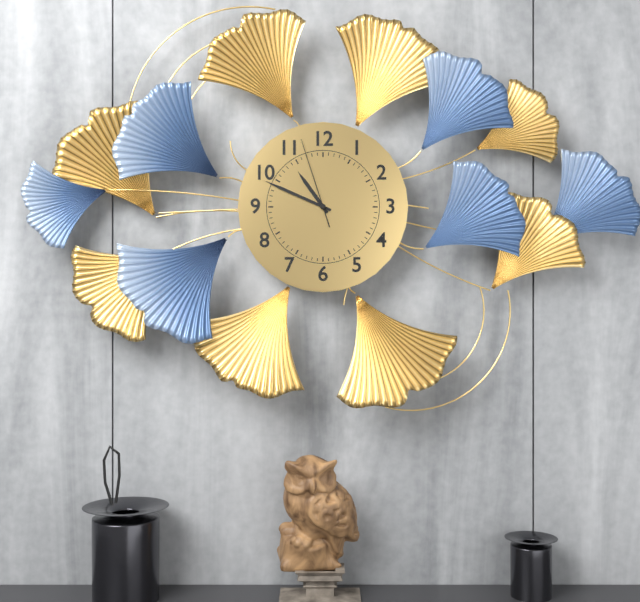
**10:49:57**
